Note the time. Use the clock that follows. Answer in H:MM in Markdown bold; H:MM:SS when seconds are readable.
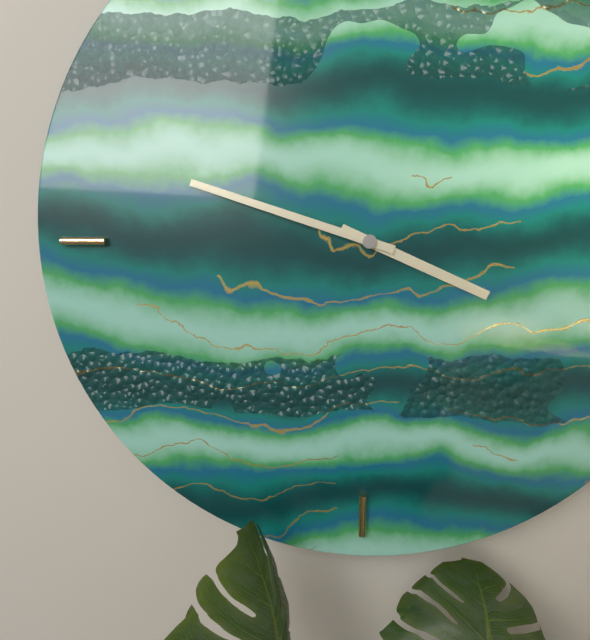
**3:48**
